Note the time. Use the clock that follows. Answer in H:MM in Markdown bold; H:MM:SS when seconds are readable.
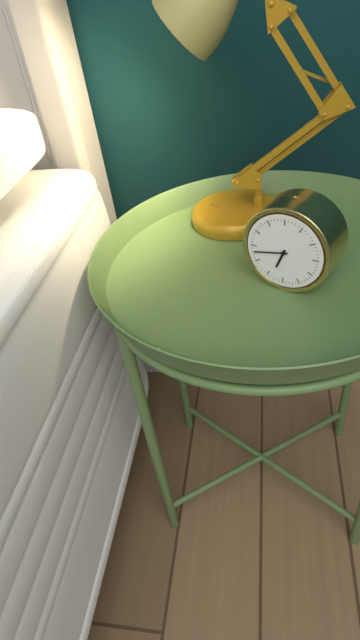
**6:43**
